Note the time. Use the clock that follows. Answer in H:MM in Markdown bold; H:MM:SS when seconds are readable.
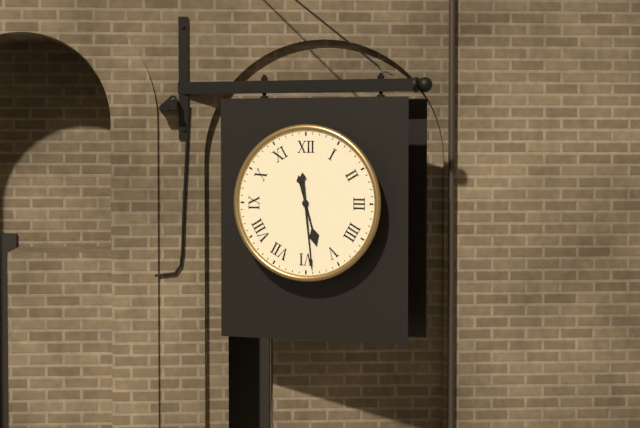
**5:29**
